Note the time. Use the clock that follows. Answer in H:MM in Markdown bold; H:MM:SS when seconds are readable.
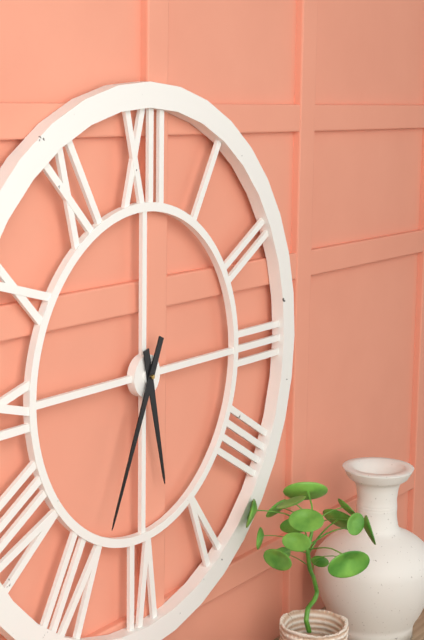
**5:34**
